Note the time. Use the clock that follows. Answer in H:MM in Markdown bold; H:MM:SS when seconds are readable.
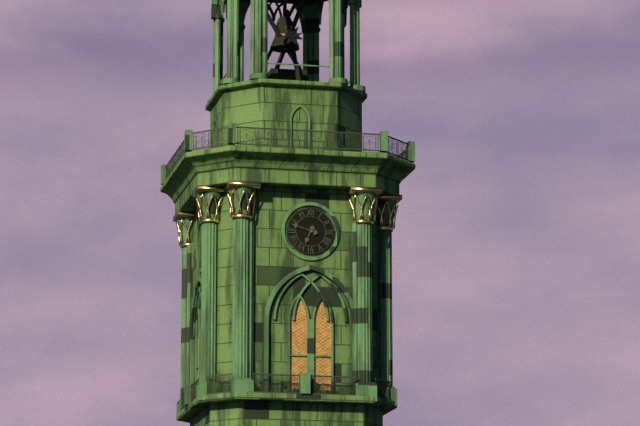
**6:48**
